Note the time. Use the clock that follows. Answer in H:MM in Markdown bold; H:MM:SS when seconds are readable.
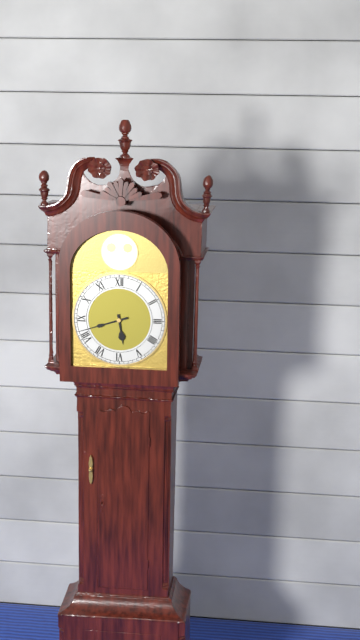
**5:42**
